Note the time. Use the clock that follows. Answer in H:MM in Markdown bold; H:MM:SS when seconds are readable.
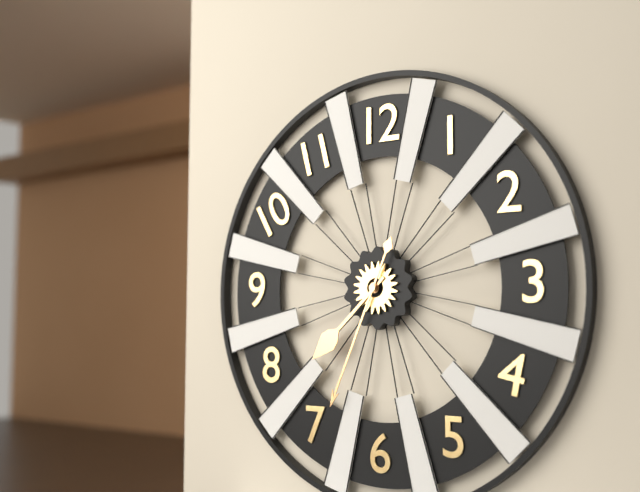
**7:34**
